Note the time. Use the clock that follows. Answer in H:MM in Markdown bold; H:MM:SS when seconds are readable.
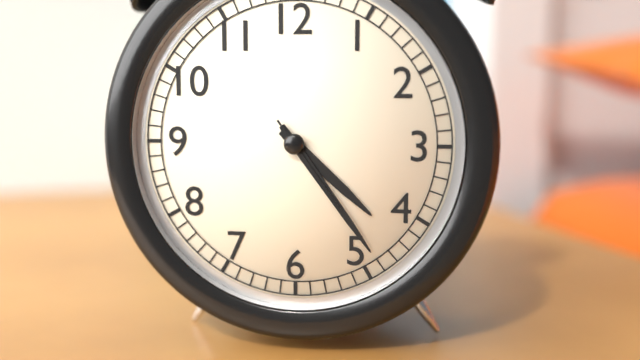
**4:24:24**
